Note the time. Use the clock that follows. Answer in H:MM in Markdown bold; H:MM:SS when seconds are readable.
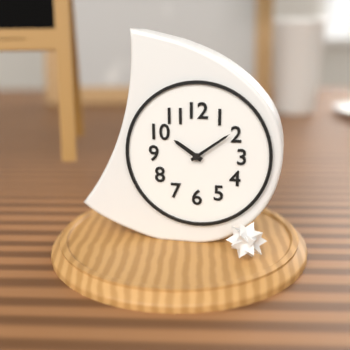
**10:09**
